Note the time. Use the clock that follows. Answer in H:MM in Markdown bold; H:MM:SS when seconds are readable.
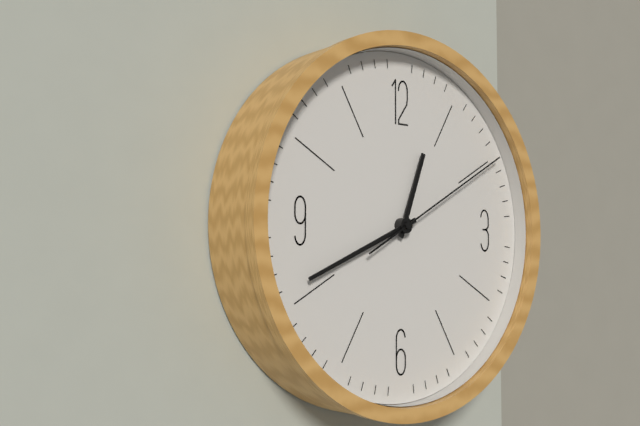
**12:41:10**
